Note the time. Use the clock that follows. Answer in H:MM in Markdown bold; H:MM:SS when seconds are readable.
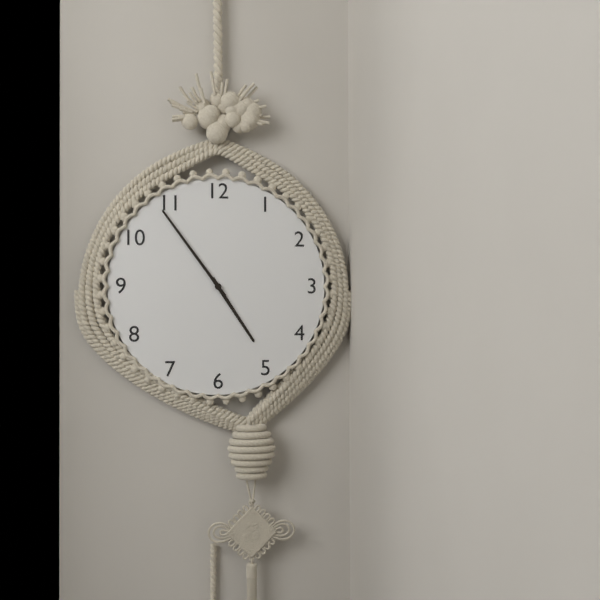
**4:54**
